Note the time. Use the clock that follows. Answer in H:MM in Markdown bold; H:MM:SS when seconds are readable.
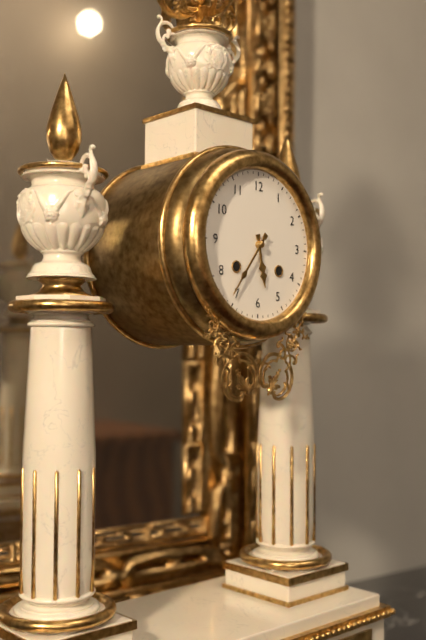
**5:36**
